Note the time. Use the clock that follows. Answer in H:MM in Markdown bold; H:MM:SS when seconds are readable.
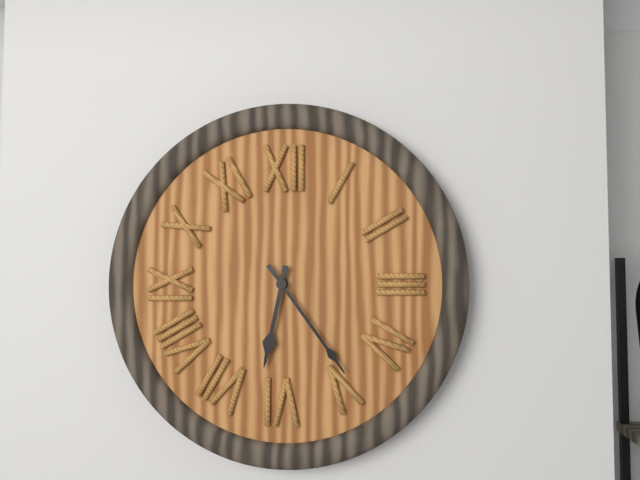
**6:24**
